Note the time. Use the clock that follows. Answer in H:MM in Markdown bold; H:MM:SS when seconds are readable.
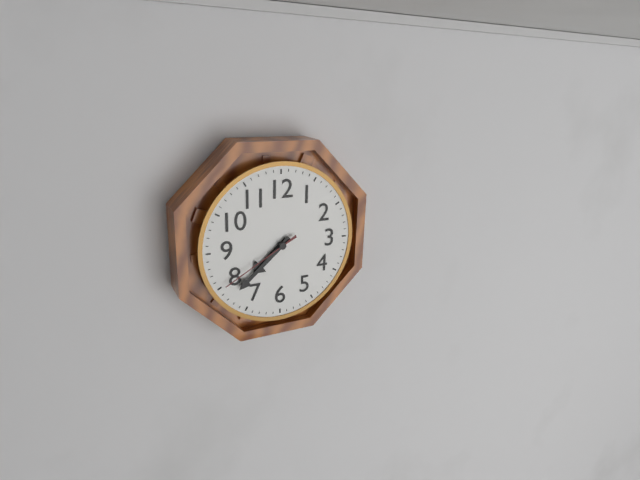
**7:38:40**
